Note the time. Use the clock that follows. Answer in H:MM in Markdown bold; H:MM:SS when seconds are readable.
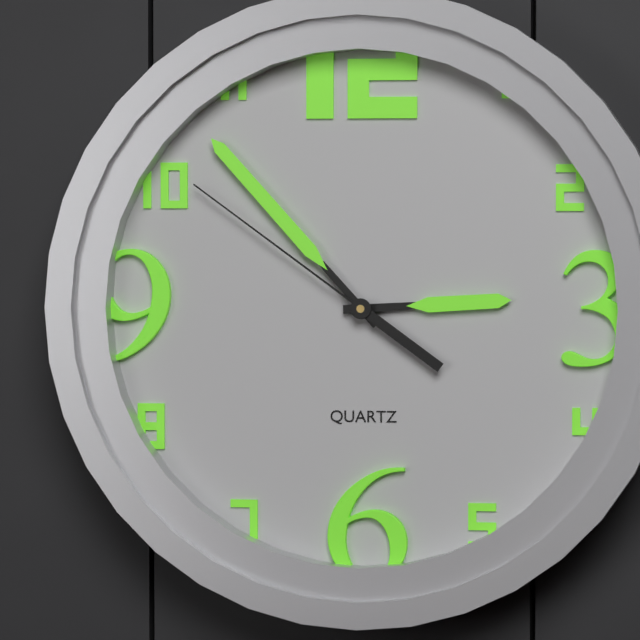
**2:53:51**
